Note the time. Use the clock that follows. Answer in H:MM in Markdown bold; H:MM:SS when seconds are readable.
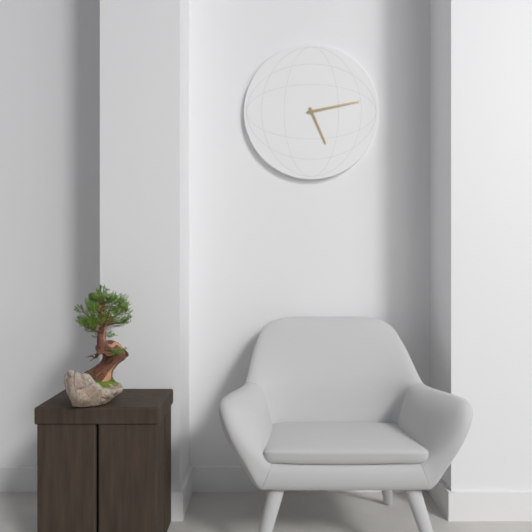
**5:13**
